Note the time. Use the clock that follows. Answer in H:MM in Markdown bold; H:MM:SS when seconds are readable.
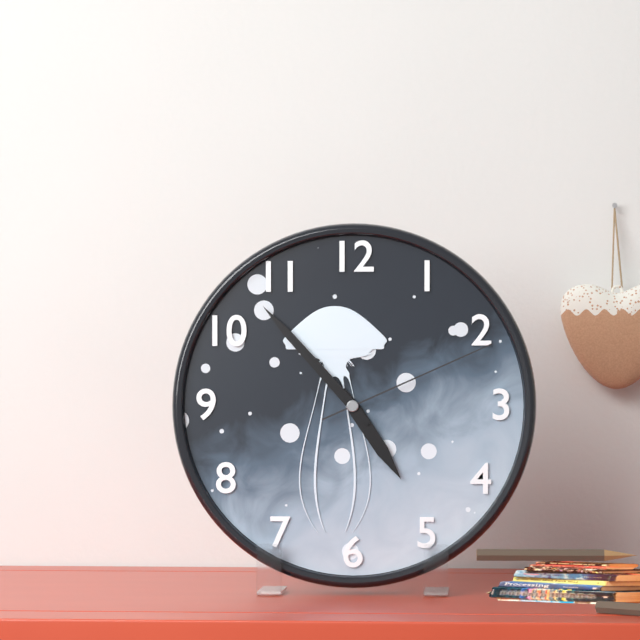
**4:53:11**
